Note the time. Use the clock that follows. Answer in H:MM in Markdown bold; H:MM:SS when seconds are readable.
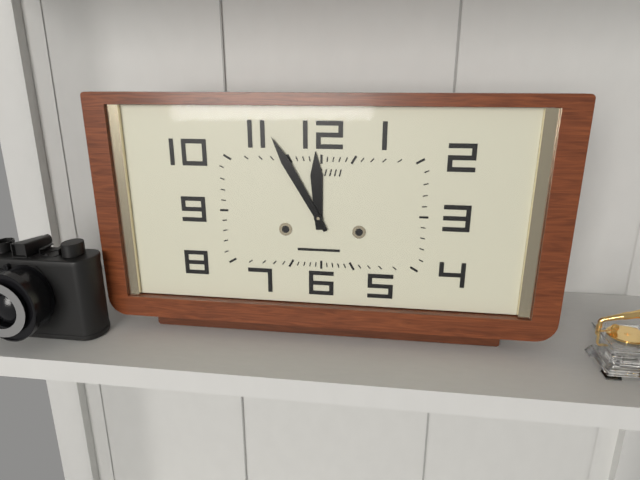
**11:55**
